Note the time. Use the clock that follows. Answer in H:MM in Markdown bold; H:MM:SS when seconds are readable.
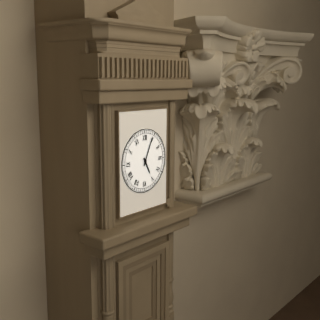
**5:04**
